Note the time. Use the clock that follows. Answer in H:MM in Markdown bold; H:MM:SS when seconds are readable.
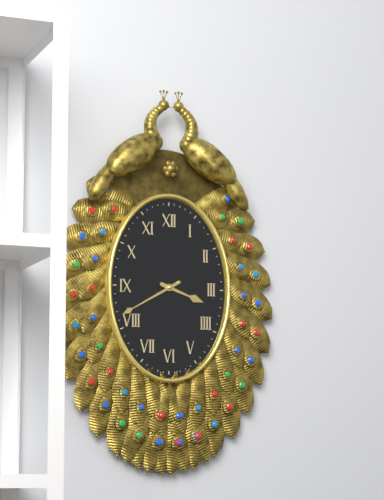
**3:40**
